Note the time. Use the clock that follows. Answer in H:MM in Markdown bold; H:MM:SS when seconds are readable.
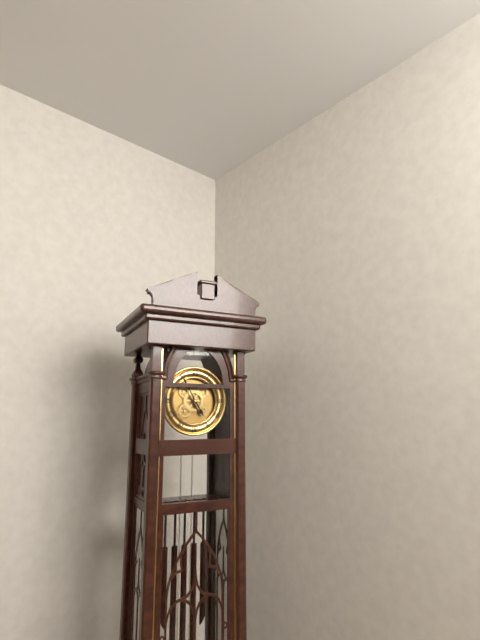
**4:55**
